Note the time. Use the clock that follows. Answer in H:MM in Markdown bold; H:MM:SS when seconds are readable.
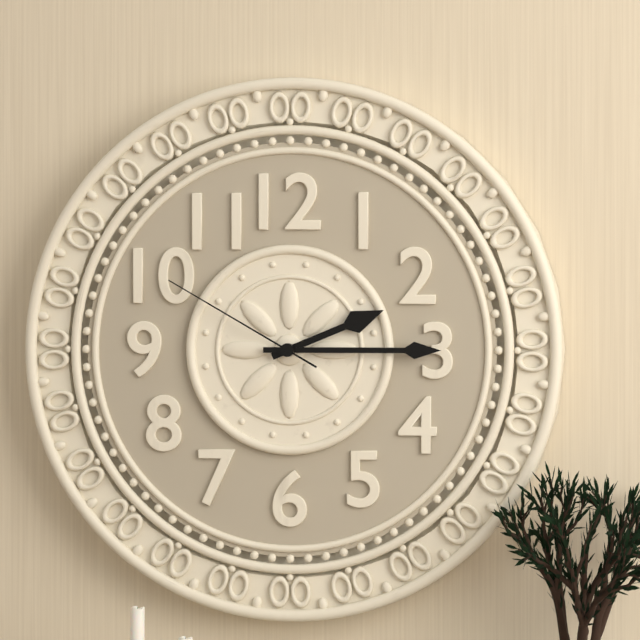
**2:15:50**
